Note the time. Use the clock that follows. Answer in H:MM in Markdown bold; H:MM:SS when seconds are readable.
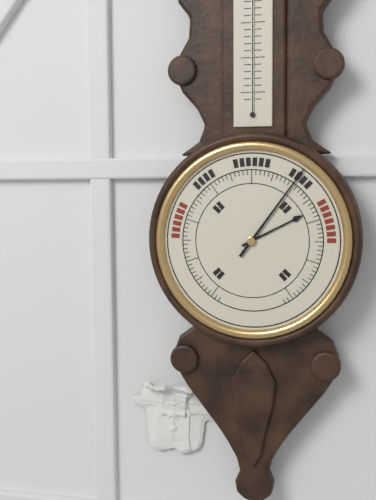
**2:06**
